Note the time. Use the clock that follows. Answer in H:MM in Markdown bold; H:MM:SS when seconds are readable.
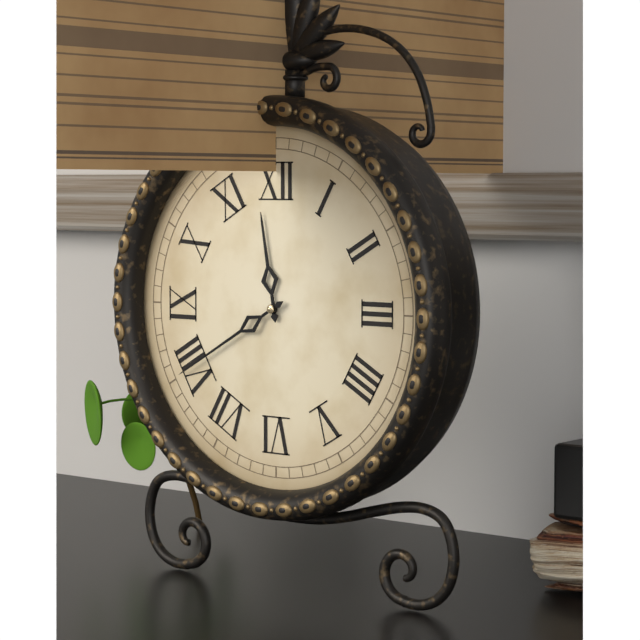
**11:40**
